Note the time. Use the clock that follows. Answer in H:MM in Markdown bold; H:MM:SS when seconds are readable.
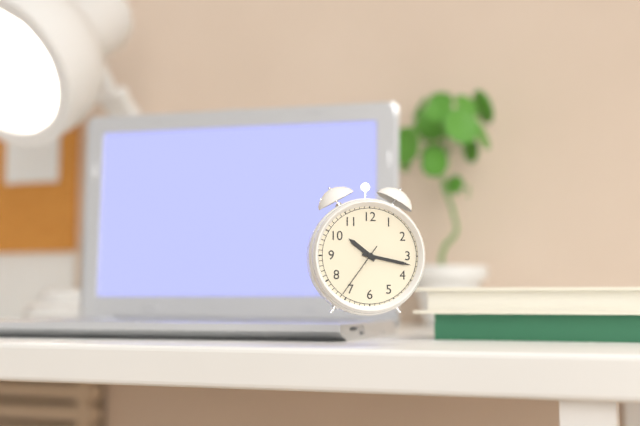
**10:17:36**
